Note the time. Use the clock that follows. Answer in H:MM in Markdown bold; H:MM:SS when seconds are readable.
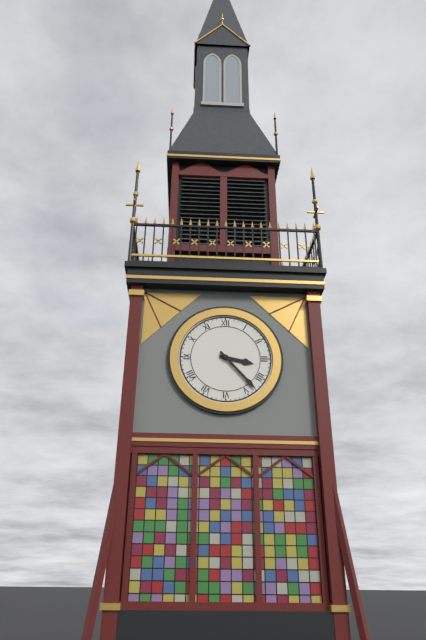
**3:23**
